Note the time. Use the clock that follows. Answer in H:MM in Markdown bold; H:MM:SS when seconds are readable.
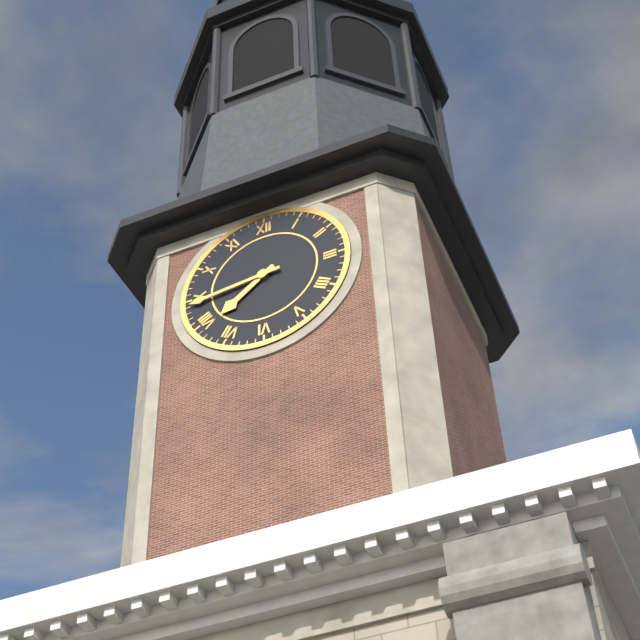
**7:44**
